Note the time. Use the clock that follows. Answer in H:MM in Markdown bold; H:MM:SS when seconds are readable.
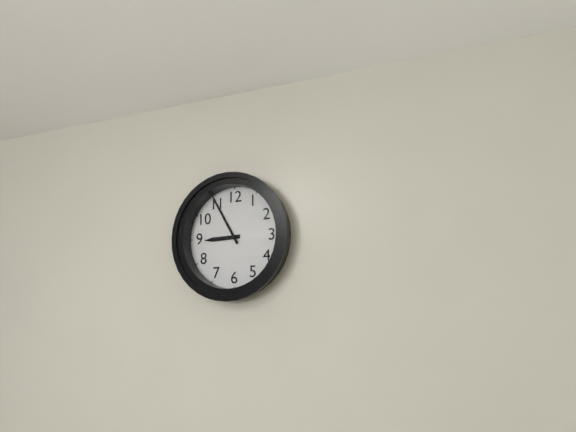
**8:55**
